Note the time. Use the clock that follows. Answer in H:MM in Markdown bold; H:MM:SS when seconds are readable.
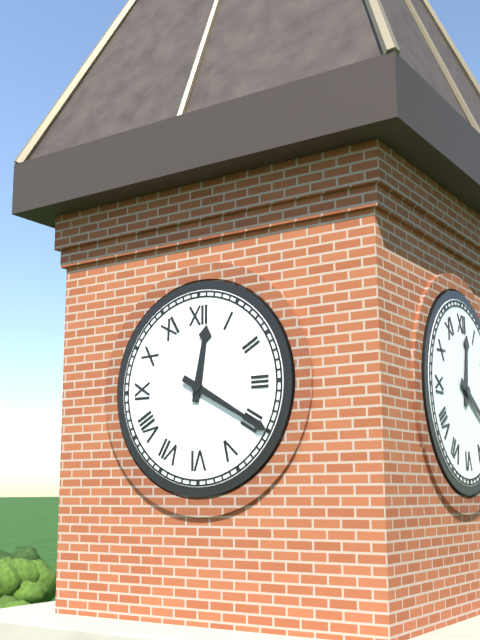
**12:20**
